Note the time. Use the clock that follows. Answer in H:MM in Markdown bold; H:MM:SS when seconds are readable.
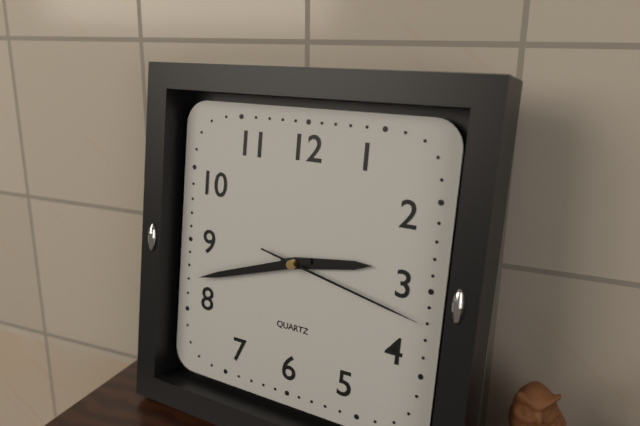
**2:42:17**
